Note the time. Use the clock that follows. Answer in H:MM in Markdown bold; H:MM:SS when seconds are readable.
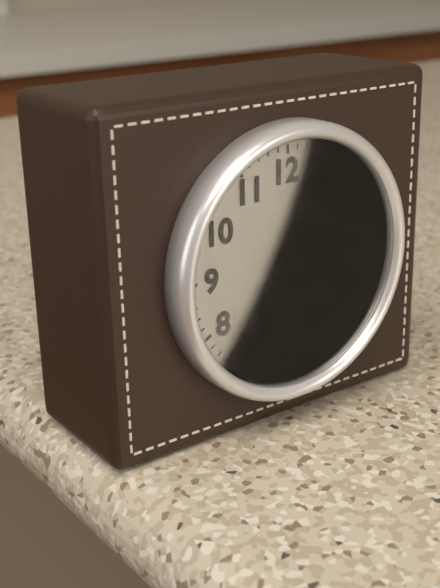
**5:21**
